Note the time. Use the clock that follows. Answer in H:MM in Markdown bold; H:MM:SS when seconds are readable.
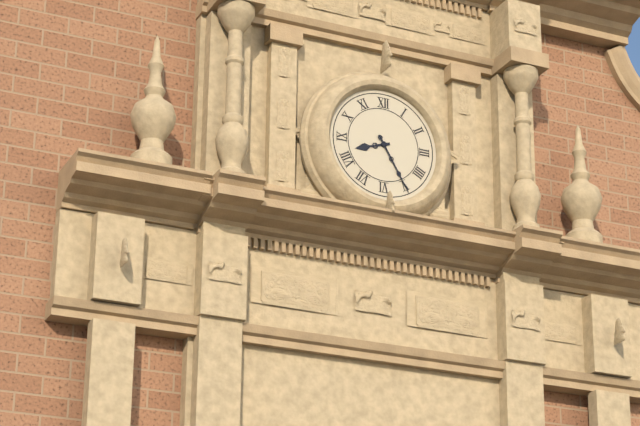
**8:25**
